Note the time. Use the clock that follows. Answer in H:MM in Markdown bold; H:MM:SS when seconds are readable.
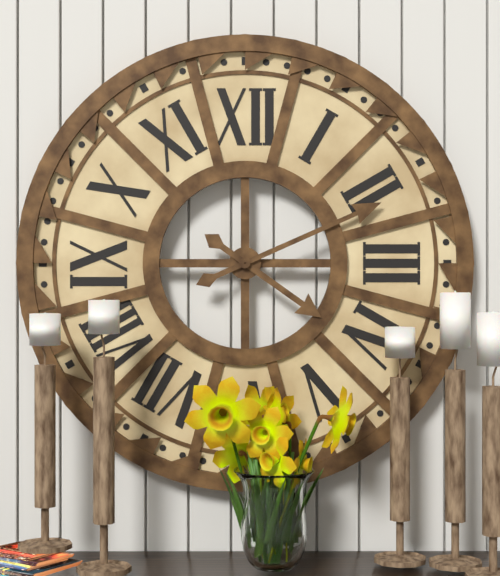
**4:11**
